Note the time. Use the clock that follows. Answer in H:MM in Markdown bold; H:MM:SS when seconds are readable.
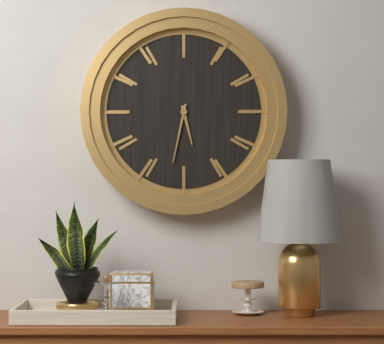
**5:32**
